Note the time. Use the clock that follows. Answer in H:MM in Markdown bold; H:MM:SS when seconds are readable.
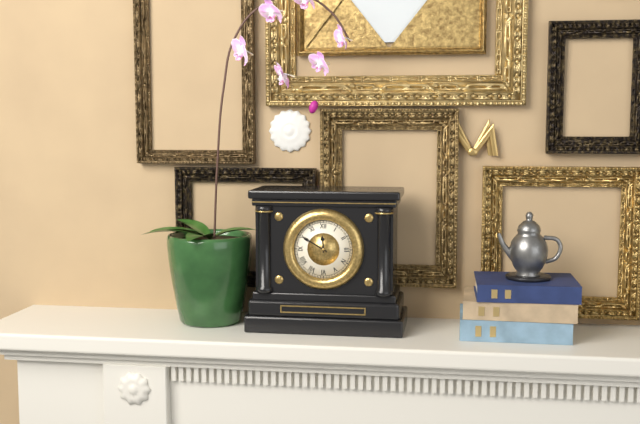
**11:50**
